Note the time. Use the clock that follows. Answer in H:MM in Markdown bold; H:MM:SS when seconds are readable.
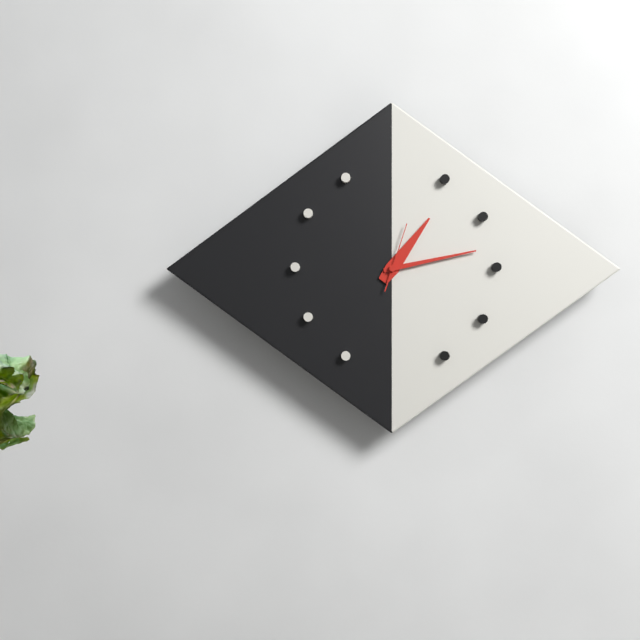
**1:13:03**
